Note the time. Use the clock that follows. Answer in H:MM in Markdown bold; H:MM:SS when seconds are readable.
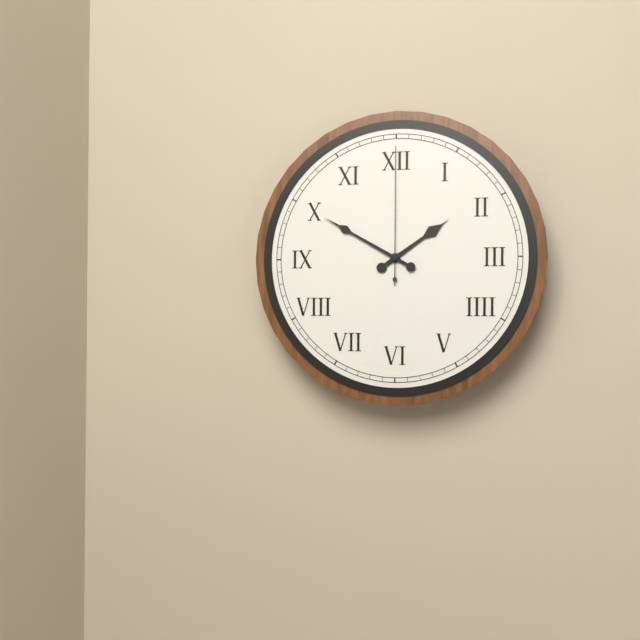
**1:50:00**
